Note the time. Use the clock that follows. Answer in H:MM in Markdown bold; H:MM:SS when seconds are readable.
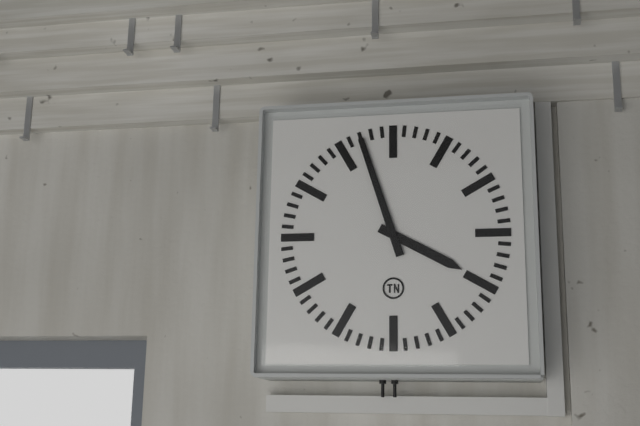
**3:57**
